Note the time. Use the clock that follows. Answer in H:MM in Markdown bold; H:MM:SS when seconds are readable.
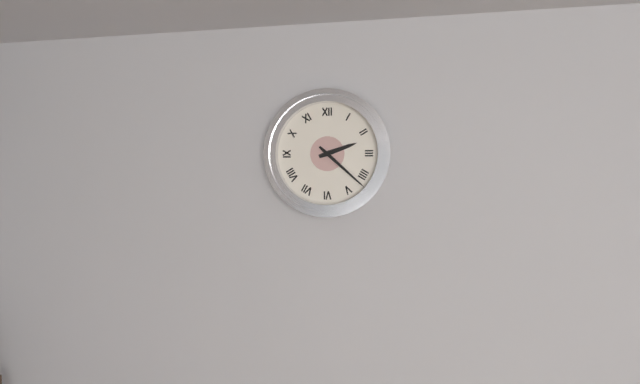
**2:22**
